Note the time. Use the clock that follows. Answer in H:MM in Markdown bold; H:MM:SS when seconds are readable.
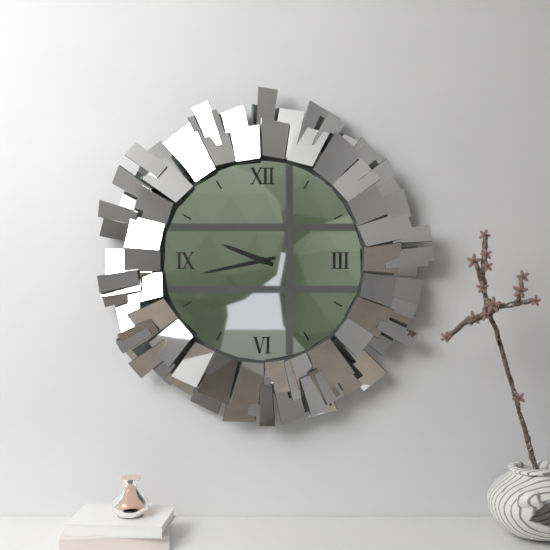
**9:43**
